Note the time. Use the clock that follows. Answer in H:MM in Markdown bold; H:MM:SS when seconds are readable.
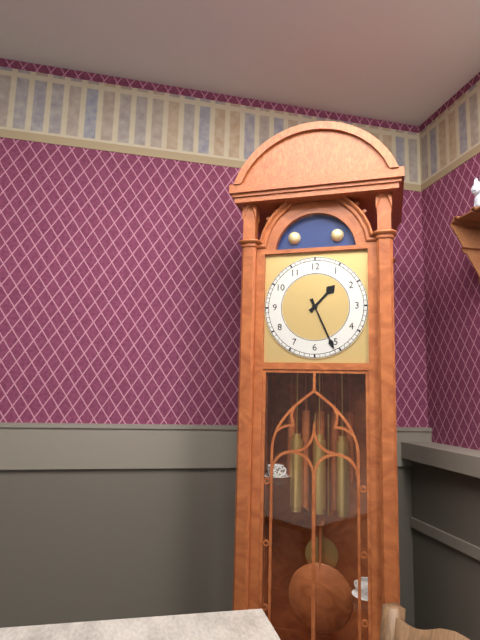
**1:26**
